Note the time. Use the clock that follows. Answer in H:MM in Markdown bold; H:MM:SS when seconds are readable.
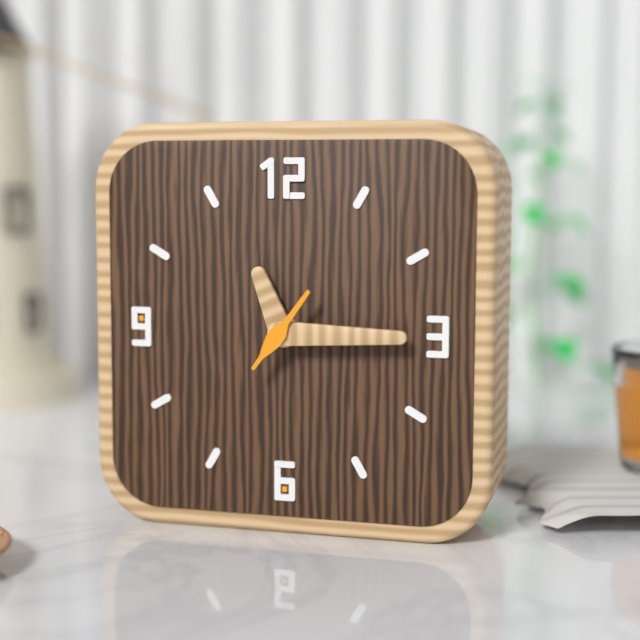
**11:15:06**
